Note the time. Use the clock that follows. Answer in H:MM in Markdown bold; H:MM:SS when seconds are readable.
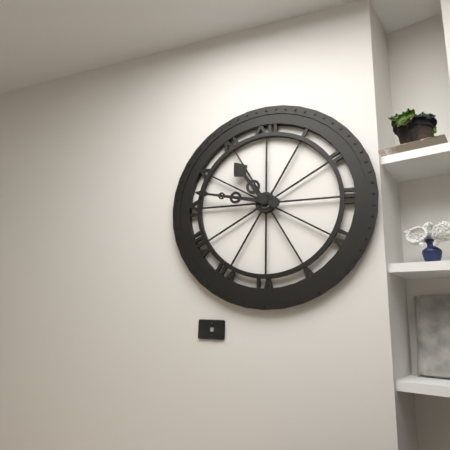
**10:47**
